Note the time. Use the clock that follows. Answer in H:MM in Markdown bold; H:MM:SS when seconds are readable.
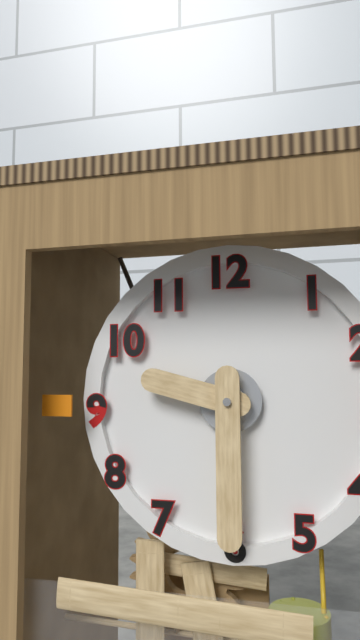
**9:30**
